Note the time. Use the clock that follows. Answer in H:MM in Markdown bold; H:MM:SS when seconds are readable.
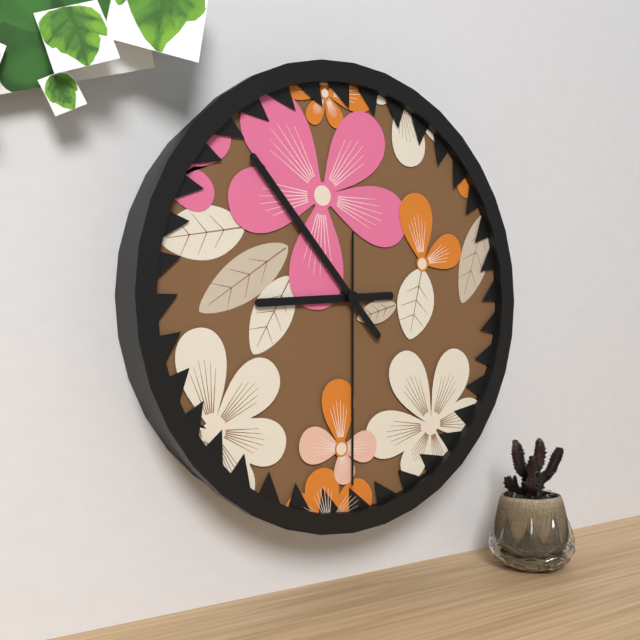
**8:53:30**
